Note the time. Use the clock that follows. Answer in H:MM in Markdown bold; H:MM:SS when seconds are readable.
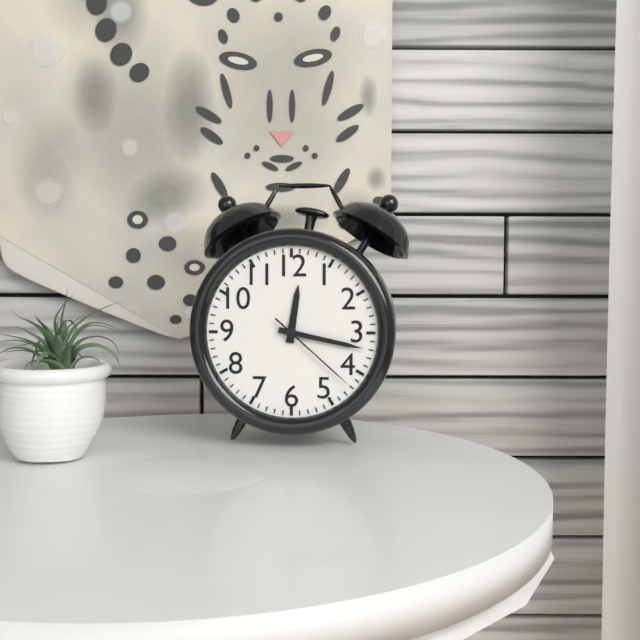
**12:17:22**
